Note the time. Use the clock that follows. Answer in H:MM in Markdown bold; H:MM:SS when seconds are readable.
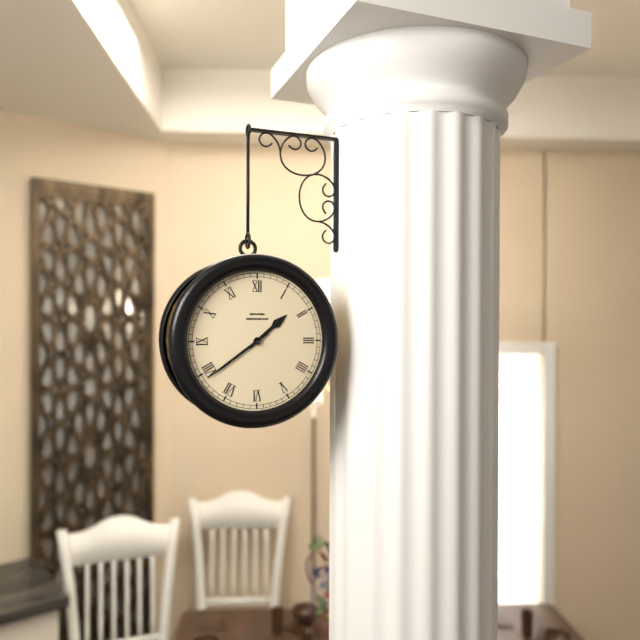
**1:39**
